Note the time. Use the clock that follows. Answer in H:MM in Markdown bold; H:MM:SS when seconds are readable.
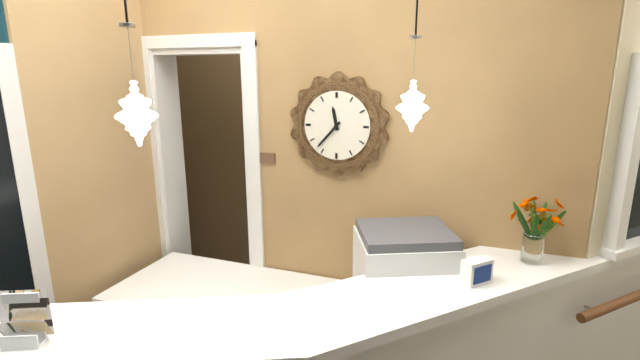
**11:37**
